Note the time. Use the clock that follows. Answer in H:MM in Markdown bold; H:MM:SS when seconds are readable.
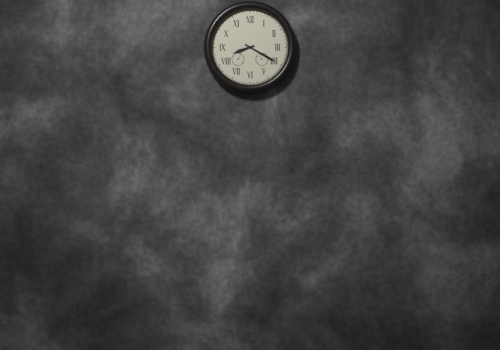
**8:20**
